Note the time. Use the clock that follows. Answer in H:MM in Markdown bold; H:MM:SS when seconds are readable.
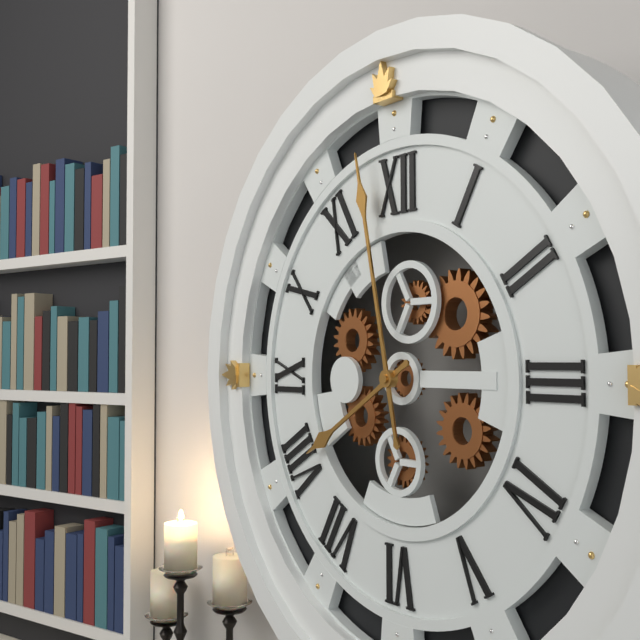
**7:58**
